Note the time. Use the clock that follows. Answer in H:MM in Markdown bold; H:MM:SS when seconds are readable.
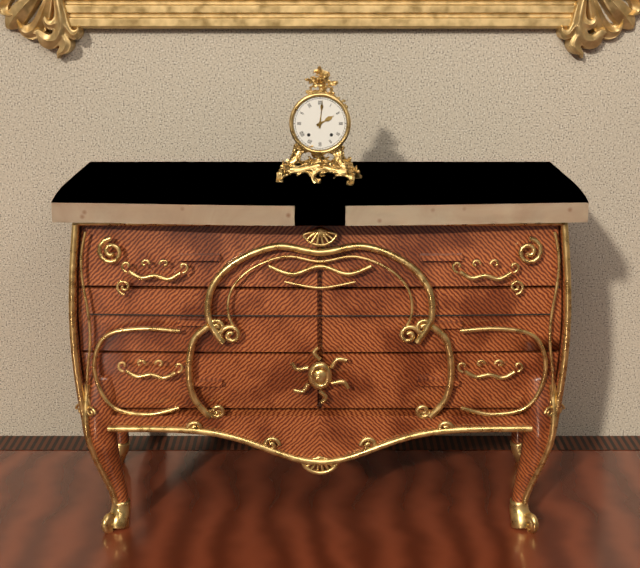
**2:01**
